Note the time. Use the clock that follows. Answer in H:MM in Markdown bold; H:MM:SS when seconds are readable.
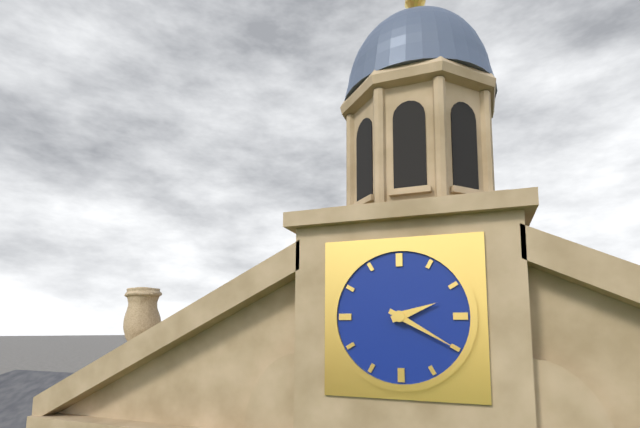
**2:20**
